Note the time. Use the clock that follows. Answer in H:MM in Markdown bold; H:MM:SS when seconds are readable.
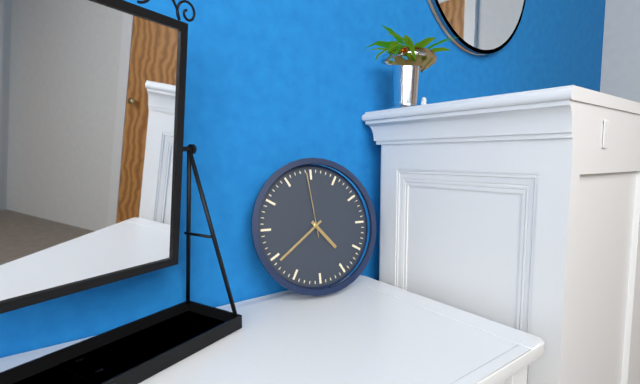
**4:39:59**
